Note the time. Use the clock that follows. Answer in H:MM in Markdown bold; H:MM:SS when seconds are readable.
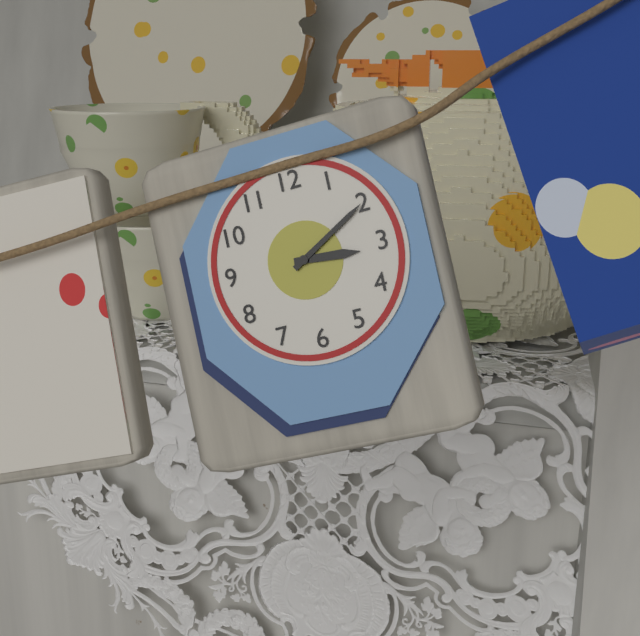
**3:10**
